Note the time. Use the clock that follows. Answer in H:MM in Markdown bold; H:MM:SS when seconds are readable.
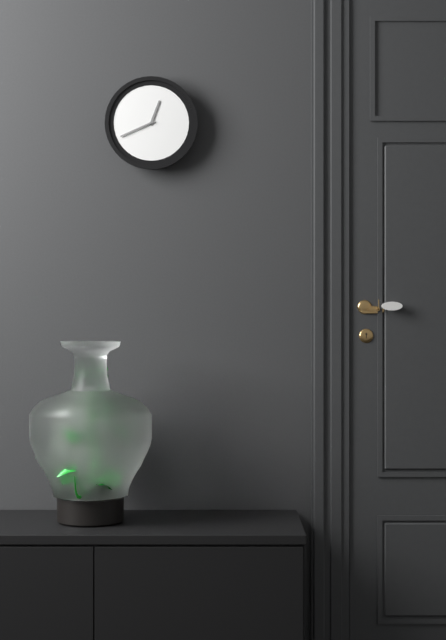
**12:41**
